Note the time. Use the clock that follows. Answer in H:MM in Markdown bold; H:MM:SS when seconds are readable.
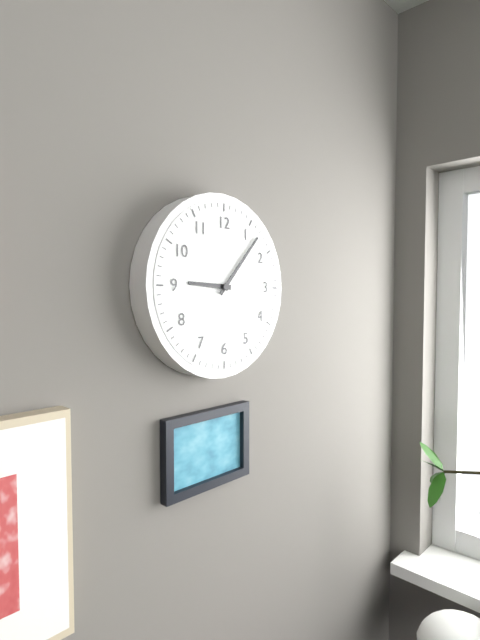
**9:07**
